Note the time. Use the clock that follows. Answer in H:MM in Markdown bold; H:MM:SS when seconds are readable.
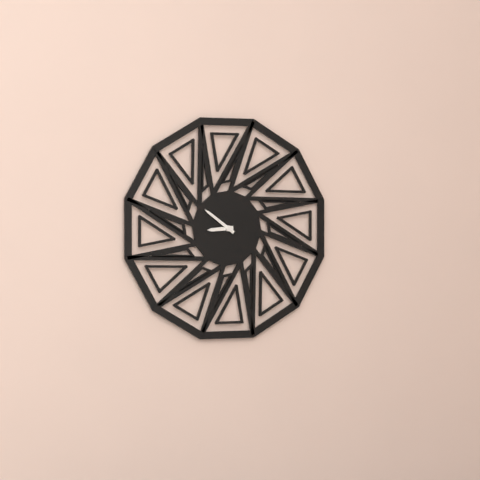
**8:51**
